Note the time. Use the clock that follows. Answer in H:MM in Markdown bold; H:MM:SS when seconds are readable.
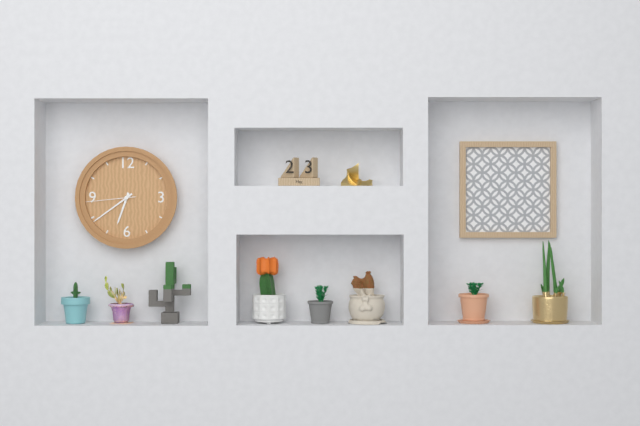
**6:39:44**
